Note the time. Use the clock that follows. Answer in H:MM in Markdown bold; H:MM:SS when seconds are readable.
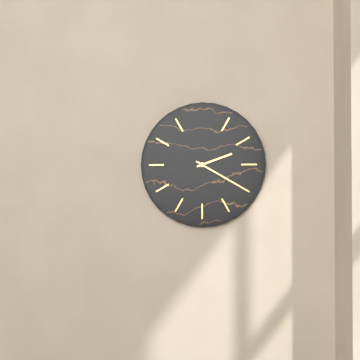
**2:20**
